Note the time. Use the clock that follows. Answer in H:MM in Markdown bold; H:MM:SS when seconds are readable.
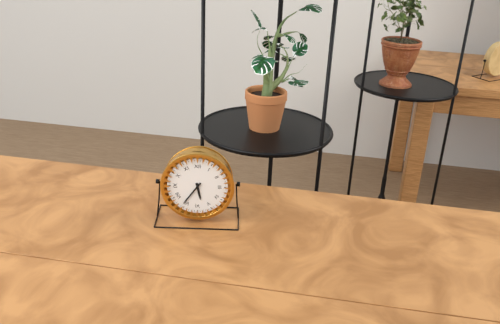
**5:36**
